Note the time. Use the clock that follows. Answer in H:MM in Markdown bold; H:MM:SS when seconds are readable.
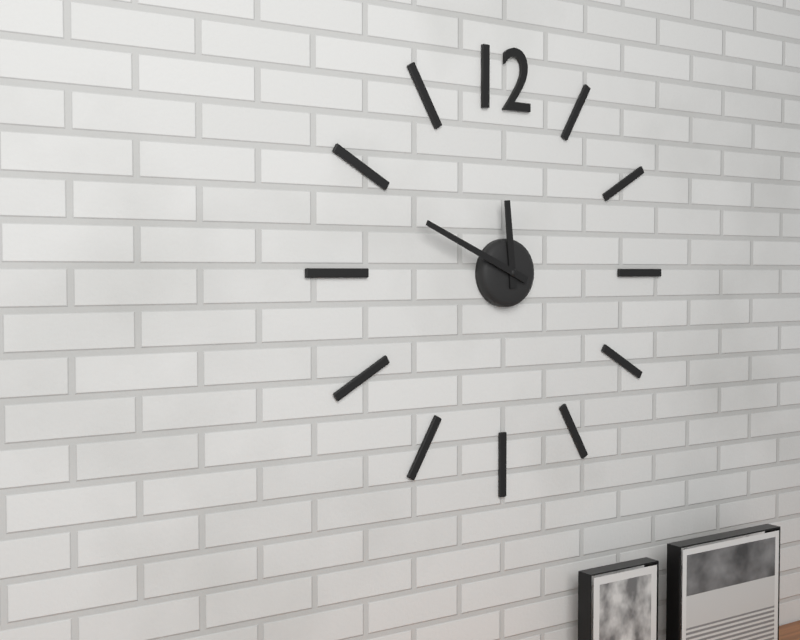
**11:49**
